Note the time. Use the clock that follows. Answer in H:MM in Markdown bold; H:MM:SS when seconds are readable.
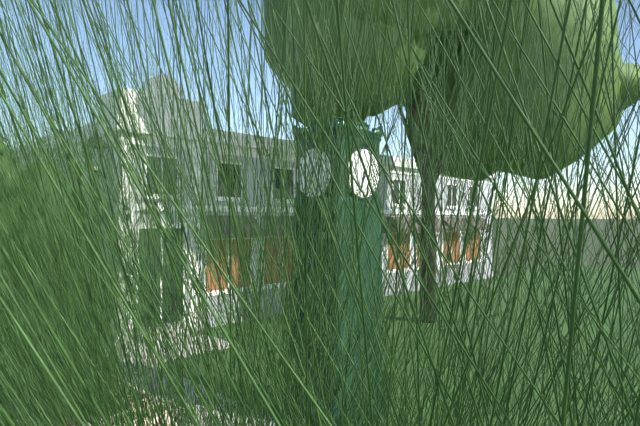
**6:33**
